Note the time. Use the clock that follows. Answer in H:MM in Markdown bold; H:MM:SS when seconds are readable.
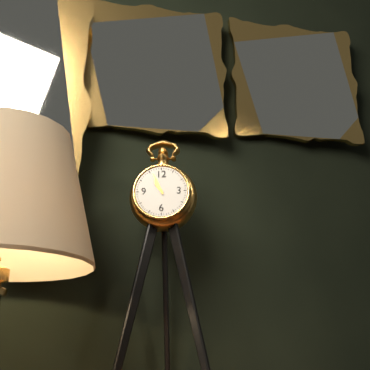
**10:56**
